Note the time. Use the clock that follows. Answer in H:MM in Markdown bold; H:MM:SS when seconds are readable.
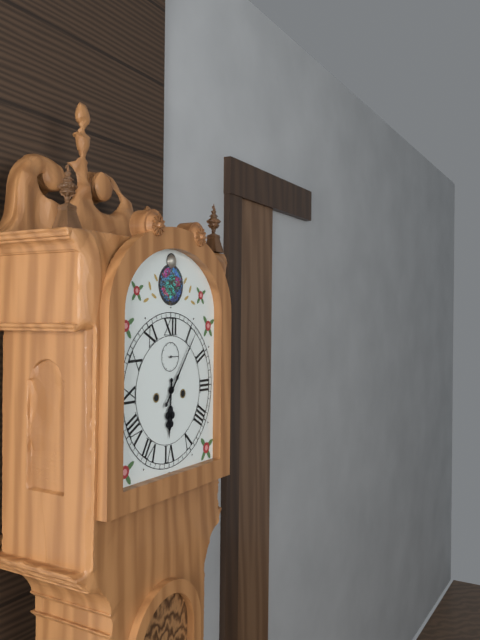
**6:06**
